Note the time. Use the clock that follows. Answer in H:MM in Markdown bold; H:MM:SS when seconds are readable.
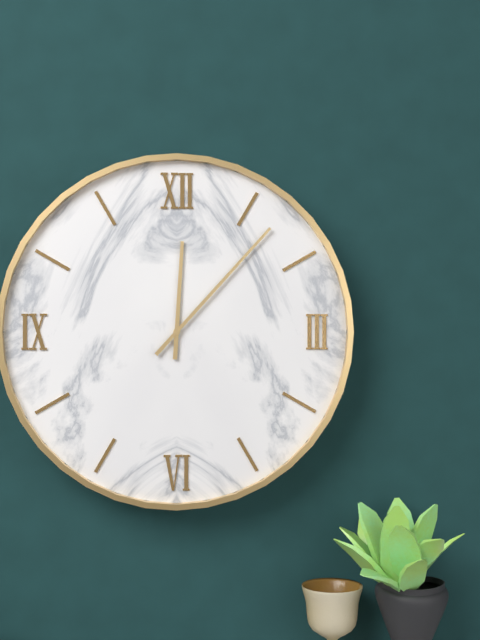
**12:07**
